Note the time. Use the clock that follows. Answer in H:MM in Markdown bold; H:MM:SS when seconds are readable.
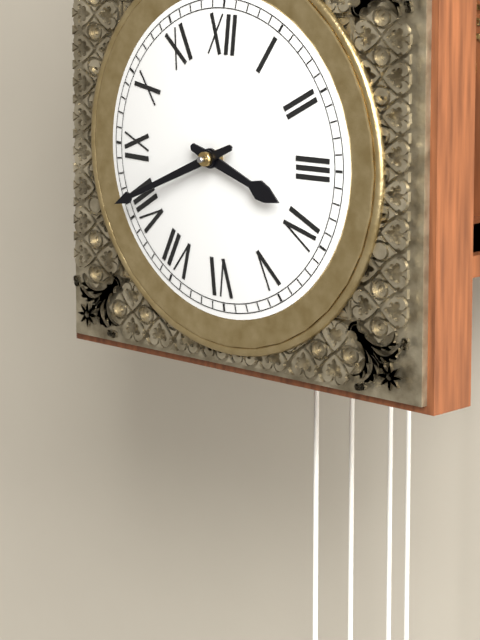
**3:41**
